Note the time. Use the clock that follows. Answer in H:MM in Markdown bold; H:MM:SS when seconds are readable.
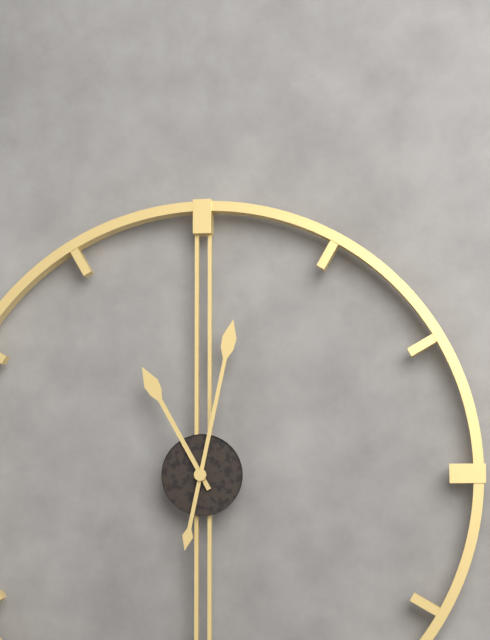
**11:02**
